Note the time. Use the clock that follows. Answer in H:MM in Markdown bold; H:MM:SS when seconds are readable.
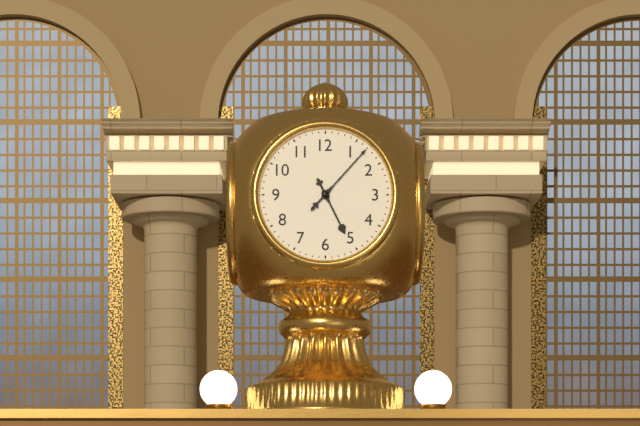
**5:07**
